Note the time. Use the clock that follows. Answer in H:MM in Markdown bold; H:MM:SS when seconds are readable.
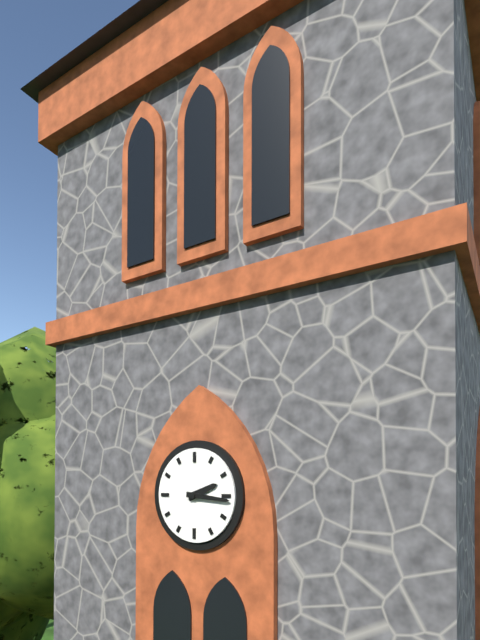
**2:16**
